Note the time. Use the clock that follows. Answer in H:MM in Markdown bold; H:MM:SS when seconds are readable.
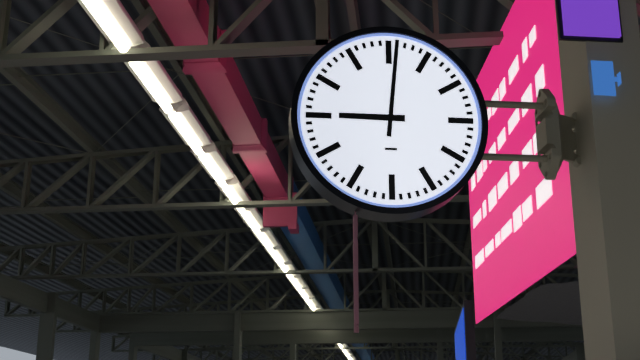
**9:01**
